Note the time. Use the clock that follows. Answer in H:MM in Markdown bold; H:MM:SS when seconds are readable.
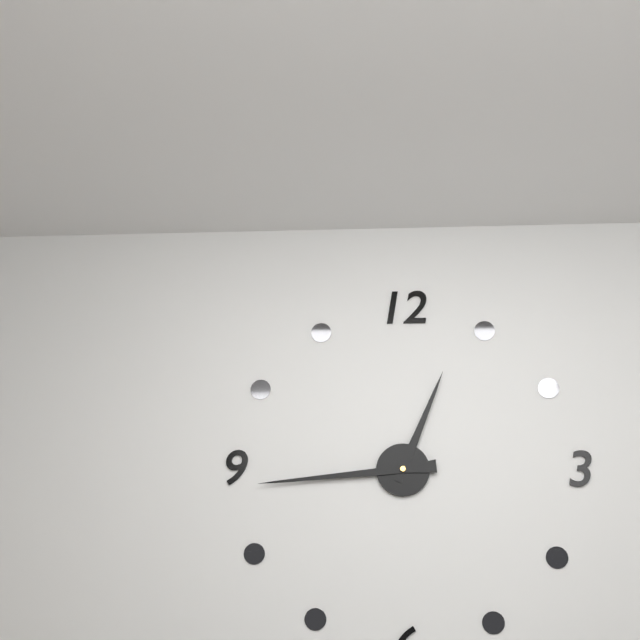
**12:44**
